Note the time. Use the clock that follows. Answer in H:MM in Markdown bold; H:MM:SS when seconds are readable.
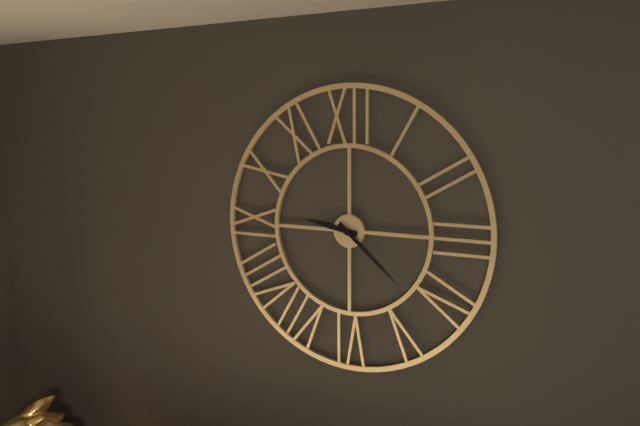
**9:22**
